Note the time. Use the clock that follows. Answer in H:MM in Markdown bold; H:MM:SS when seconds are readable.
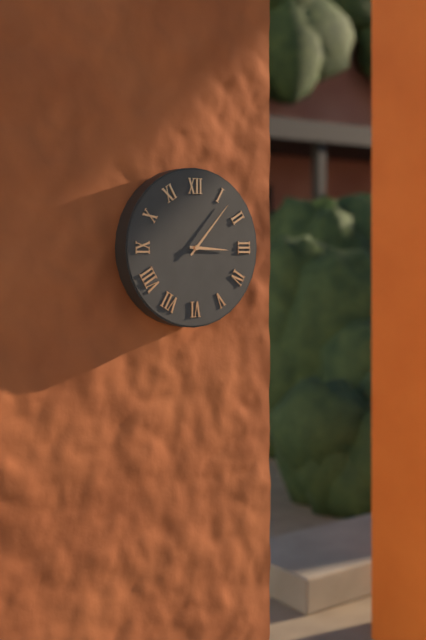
**3:07**
